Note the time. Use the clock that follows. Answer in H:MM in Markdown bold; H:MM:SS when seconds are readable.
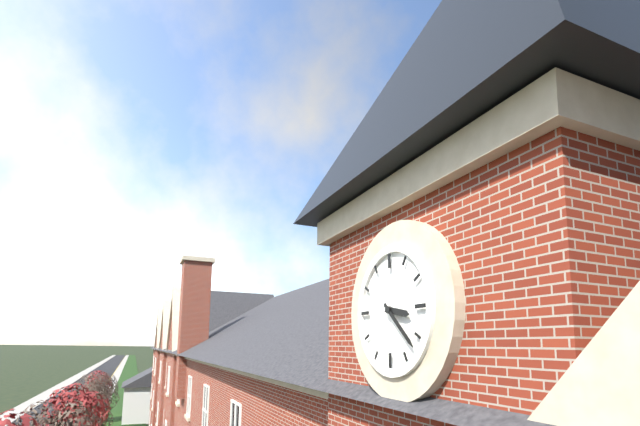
**3:22**
